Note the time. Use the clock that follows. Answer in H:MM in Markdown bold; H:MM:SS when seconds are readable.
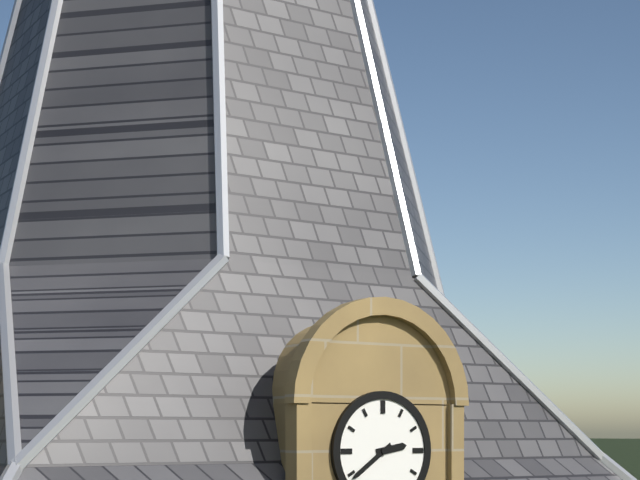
**2:39**
